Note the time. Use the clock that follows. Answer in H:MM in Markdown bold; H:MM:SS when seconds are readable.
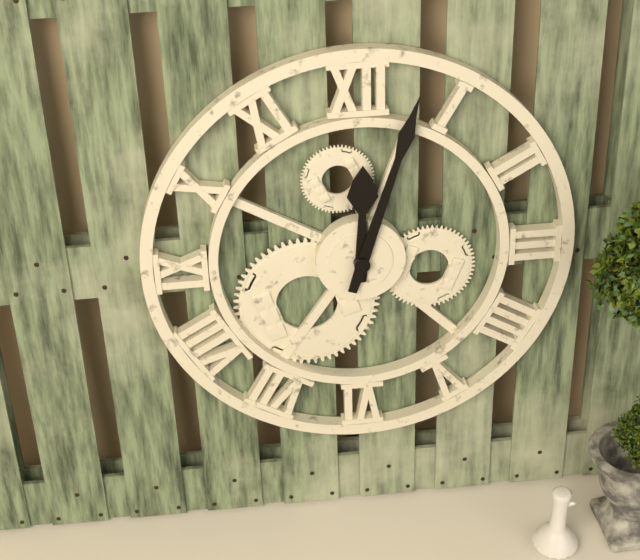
**12:03**
